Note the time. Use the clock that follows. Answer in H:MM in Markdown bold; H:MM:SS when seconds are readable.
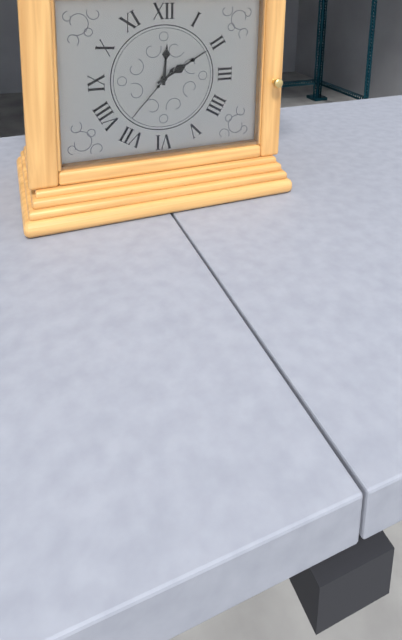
**12:10:37**
